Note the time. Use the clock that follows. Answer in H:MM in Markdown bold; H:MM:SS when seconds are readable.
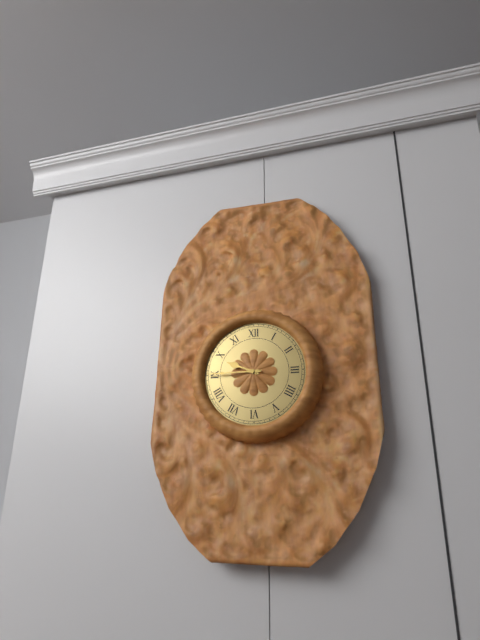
**9:45**
